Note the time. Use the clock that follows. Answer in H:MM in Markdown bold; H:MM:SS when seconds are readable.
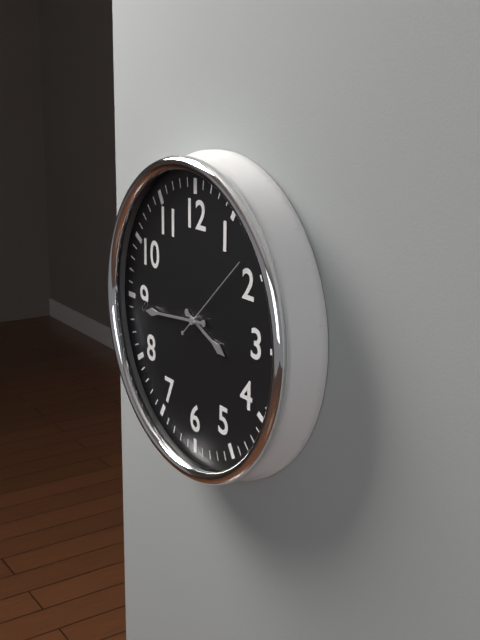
**3:44:08**
